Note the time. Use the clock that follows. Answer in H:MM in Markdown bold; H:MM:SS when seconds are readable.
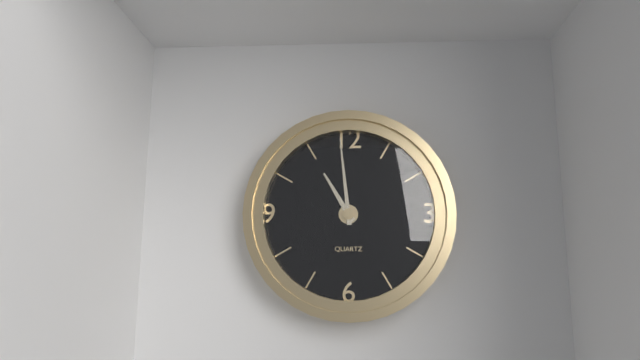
**10:59**
